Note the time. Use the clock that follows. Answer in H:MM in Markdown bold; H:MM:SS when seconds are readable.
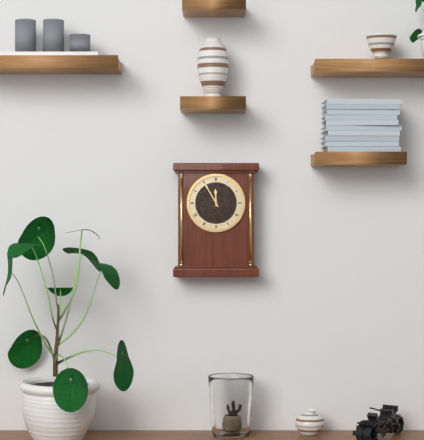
**11:55**
